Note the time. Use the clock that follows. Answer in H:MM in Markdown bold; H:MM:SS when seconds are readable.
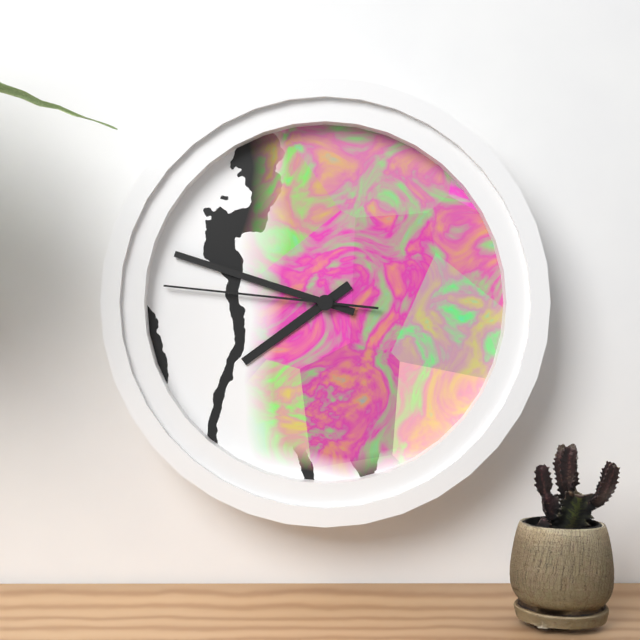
**7:48:46**
